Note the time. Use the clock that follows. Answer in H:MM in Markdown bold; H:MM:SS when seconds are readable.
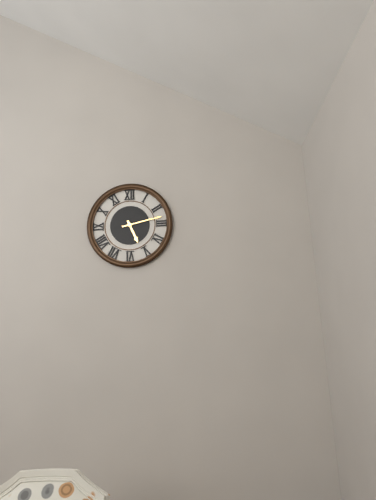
**5:13**
